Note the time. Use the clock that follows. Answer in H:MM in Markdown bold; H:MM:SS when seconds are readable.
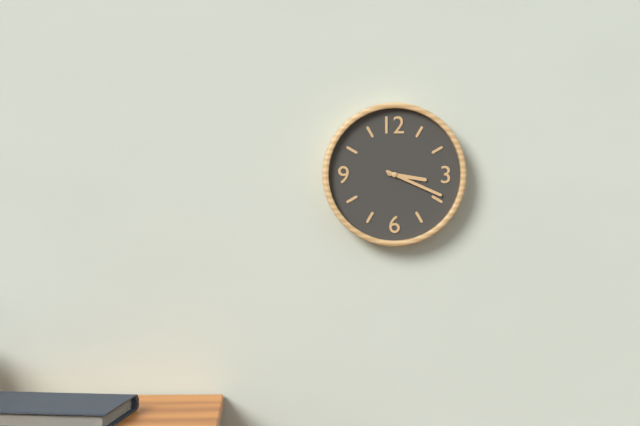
**3:19**
